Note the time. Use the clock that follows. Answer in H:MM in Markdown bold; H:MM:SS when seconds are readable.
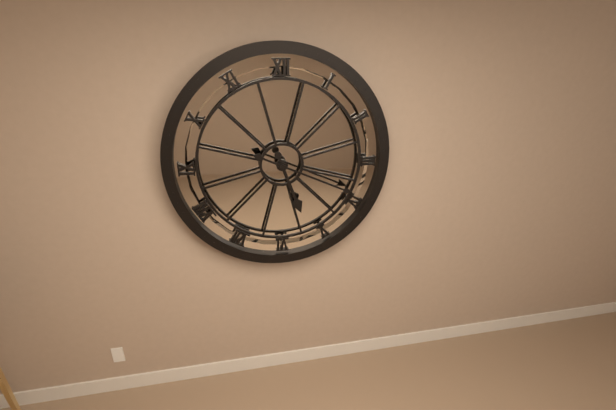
**5:19**
